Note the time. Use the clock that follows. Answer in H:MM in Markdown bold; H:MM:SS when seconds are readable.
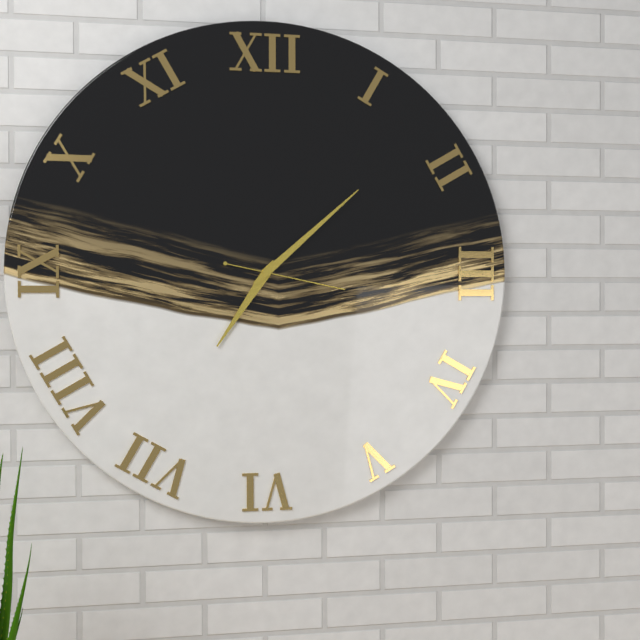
**7:08:17**
